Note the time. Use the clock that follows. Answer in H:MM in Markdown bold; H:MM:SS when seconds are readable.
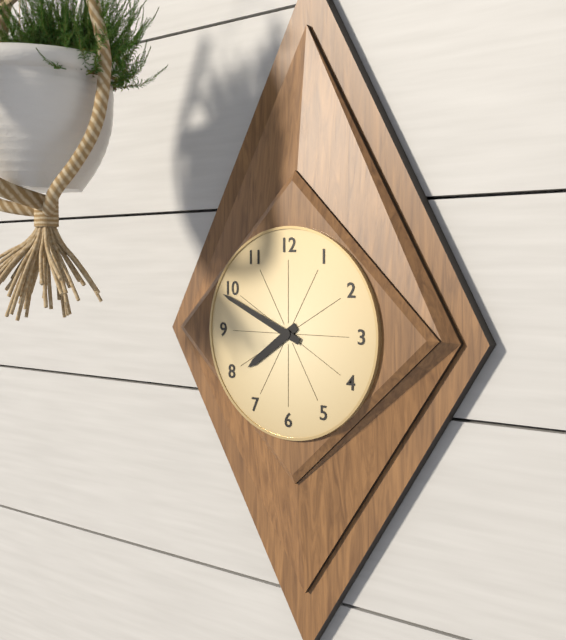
**7:49**
